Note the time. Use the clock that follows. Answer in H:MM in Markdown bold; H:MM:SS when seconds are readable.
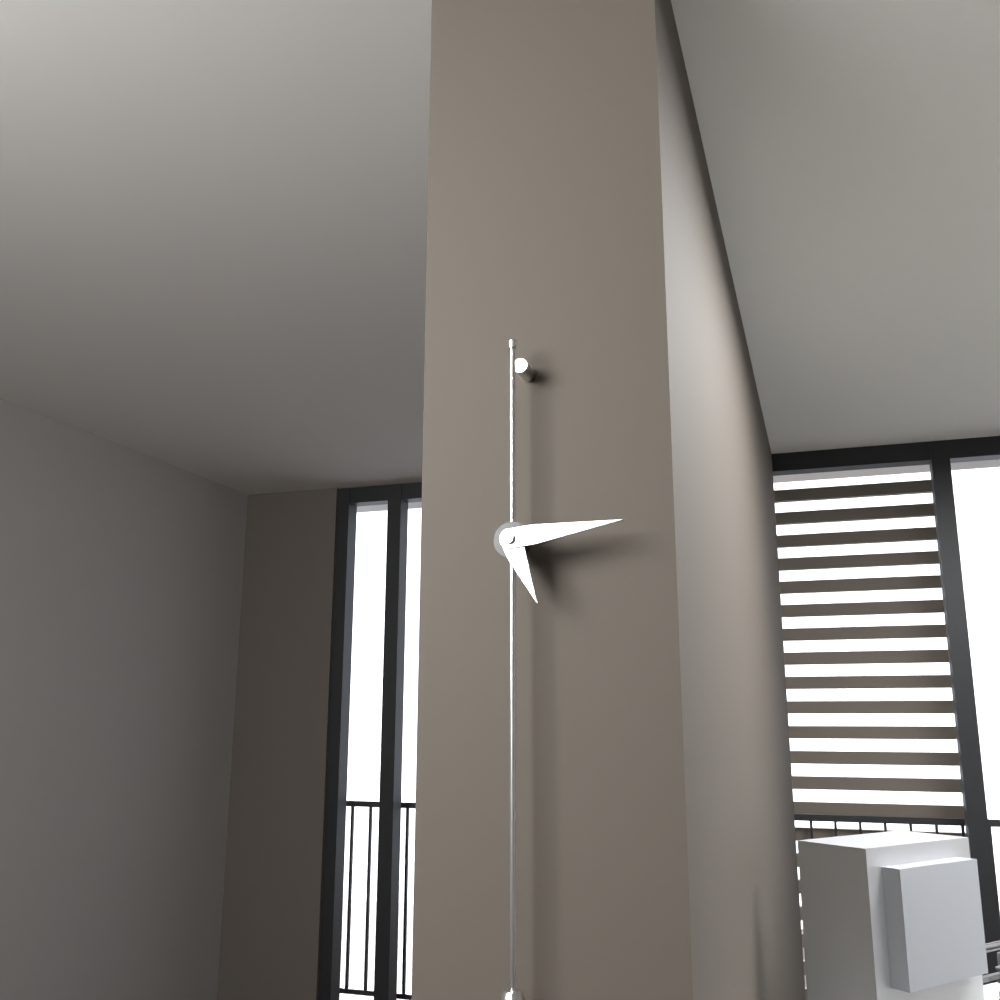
**5:14**
